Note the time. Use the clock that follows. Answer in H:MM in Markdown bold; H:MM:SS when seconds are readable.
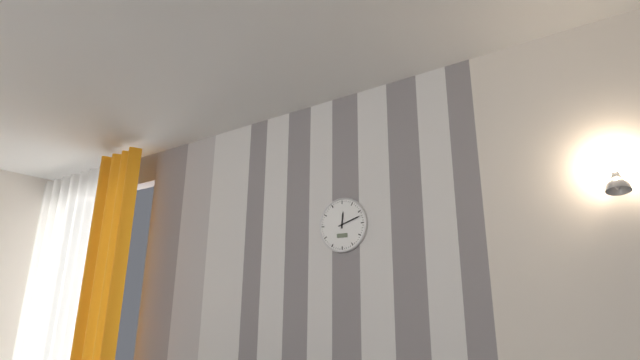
**12:12**
